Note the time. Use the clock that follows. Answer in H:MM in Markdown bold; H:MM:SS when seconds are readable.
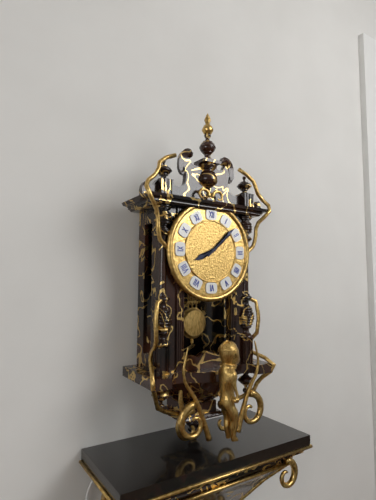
**8:08**
